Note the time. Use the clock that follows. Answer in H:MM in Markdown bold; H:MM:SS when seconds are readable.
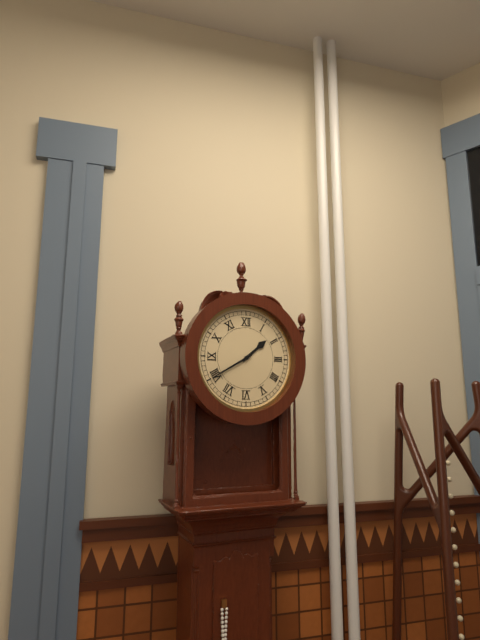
**1:40**
